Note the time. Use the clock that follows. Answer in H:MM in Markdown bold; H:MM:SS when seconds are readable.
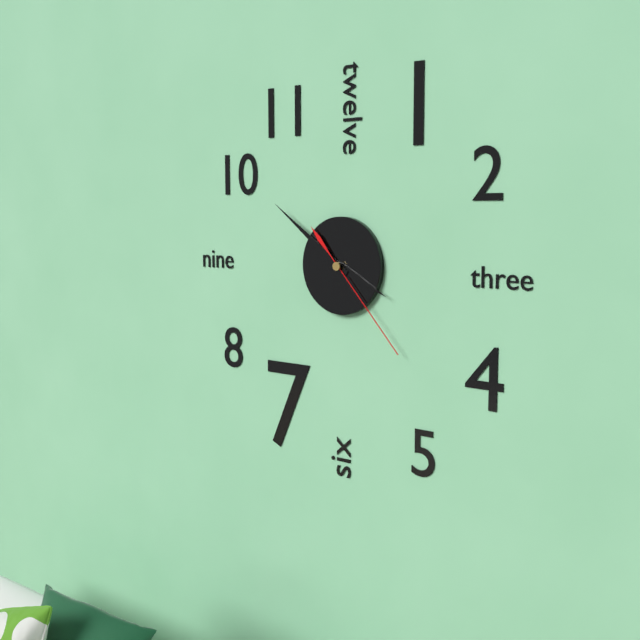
**3:51:23**
